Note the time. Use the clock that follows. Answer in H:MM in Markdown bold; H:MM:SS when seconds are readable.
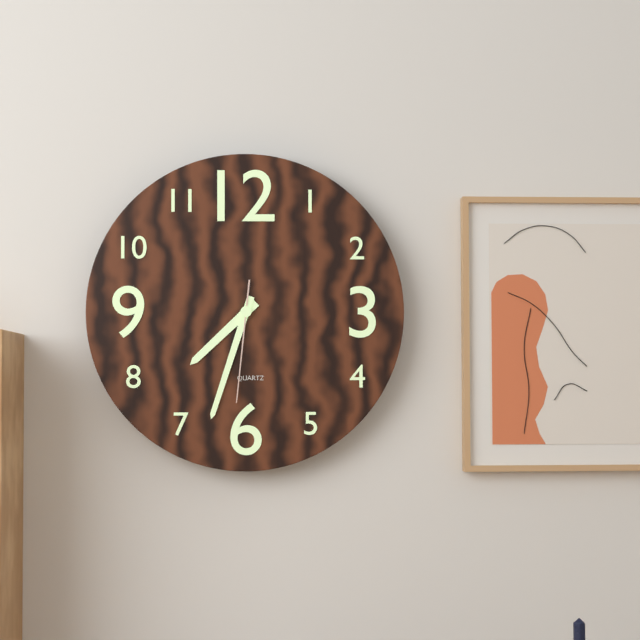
**7:33:31**
